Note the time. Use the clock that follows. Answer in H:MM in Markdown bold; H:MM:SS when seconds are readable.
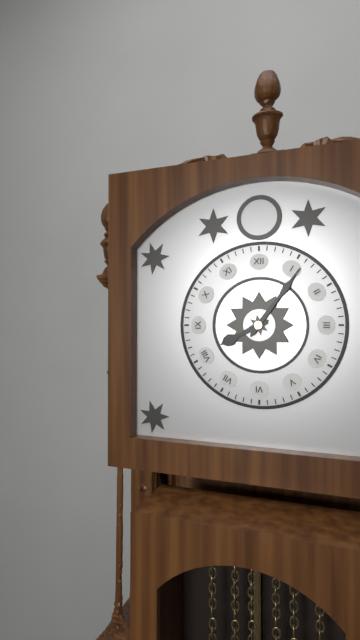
**8:06**
